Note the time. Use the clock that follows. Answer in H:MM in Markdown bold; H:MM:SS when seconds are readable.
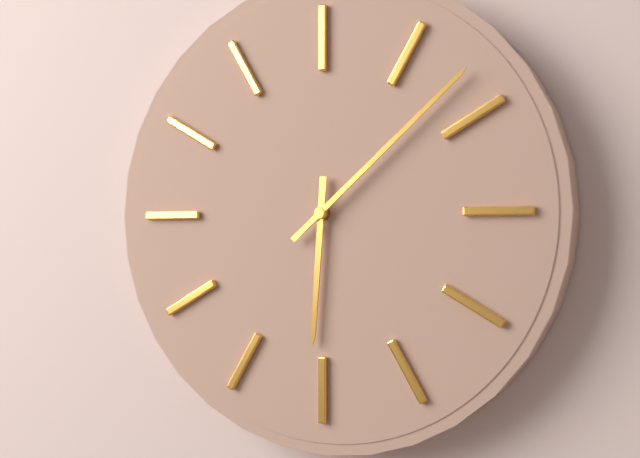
**6:08**
